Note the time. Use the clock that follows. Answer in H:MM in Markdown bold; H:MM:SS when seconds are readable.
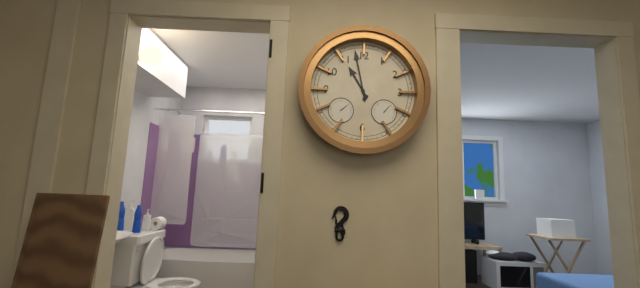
**10:58**
